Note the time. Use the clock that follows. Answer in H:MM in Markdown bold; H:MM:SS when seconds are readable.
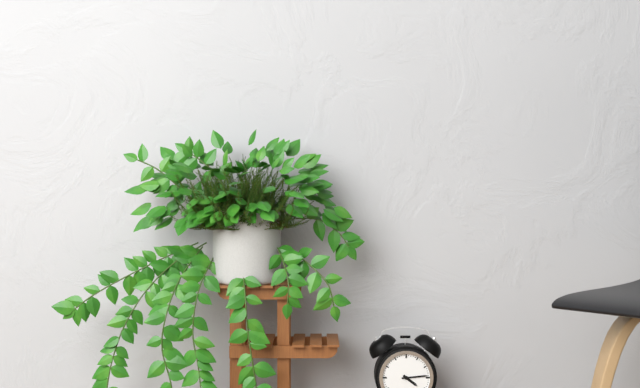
**4:14**
